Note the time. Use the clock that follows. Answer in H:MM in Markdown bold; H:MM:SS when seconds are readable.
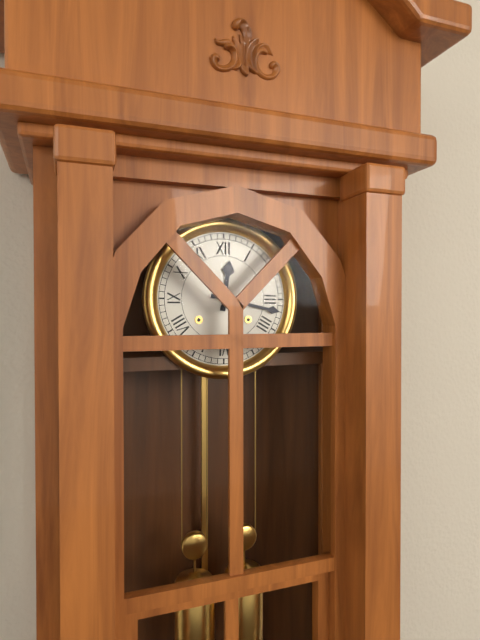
**12:17**
